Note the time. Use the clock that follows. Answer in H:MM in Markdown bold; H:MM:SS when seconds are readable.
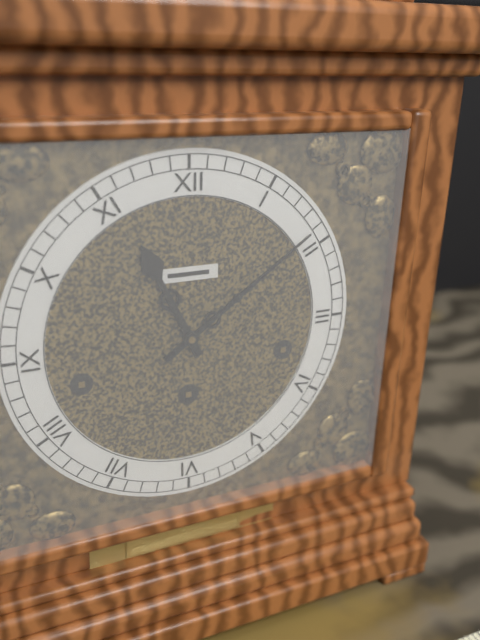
**11:09**
